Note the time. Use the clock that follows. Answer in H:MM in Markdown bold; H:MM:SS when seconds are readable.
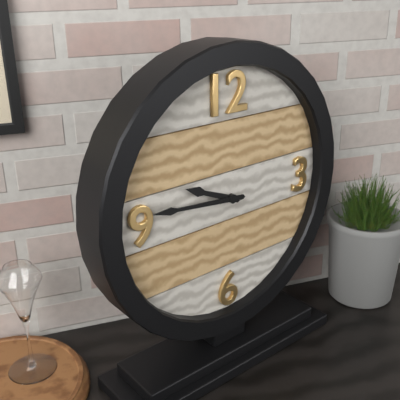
**9:46**
